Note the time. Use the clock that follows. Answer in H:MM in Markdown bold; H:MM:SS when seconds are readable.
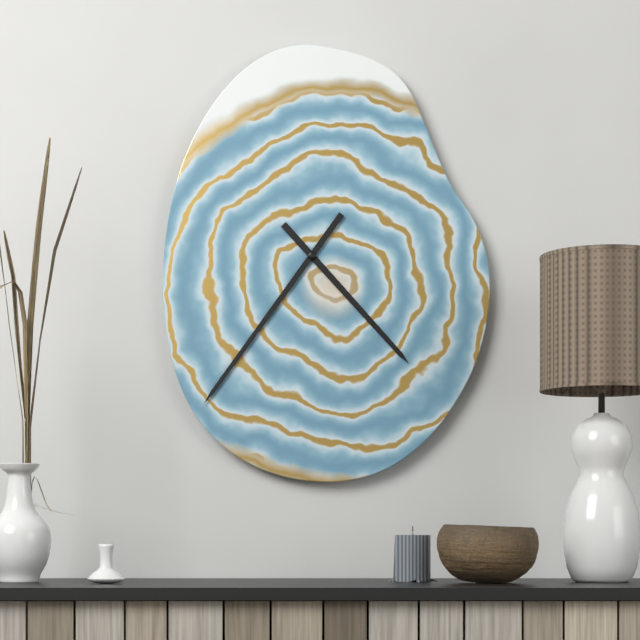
**4:36**
